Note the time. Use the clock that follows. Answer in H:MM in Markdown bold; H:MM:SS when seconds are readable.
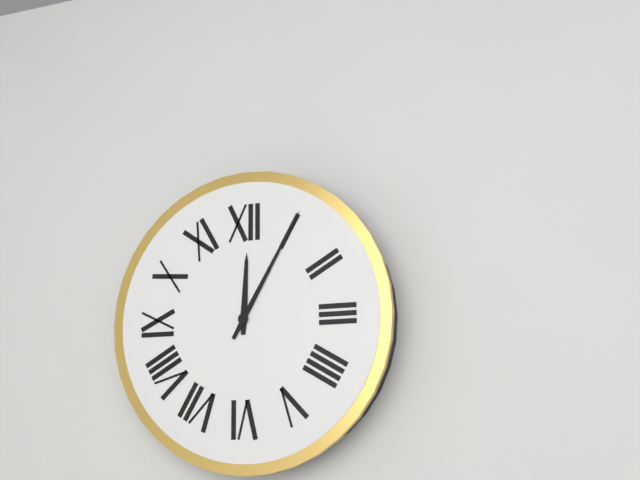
**12:05**
